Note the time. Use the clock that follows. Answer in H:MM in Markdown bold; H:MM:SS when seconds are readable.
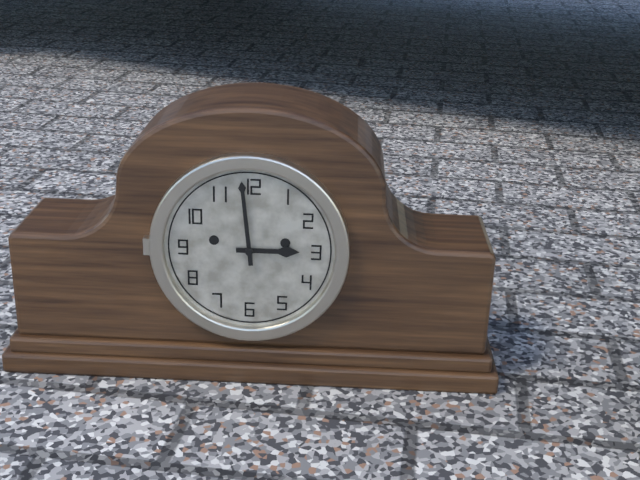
**2:59**
